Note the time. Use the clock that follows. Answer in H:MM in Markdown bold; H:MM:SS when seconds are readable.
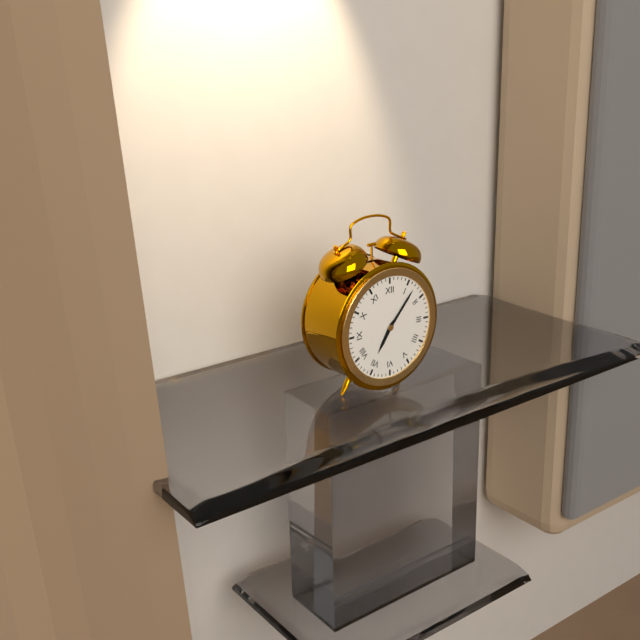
**7:07**
